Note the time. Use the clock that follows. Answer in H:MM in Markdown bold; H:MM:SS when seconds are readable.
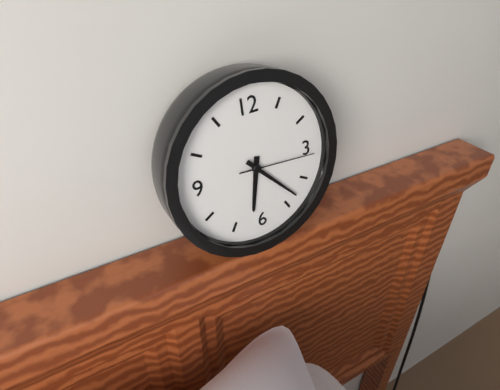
**6:23:16**
